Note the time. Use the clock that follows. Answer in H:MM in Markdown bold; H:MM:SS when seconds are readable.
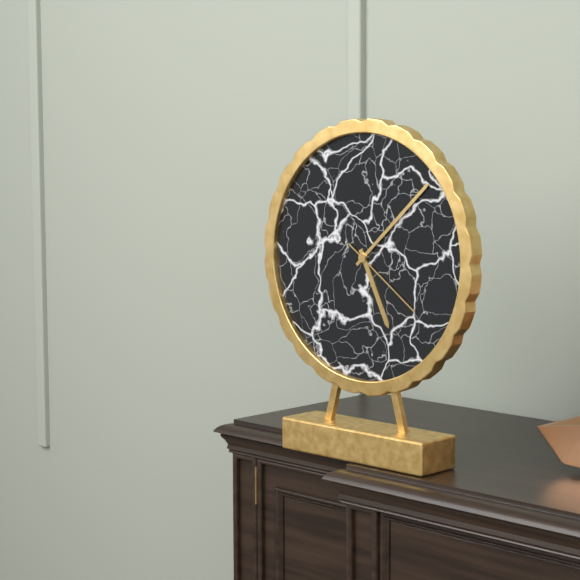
**5:08:21**
